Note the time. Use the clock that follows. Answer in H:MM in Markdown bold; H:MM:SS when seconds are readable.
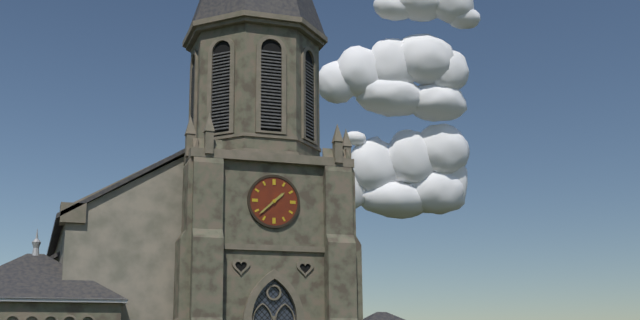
**1:38**
